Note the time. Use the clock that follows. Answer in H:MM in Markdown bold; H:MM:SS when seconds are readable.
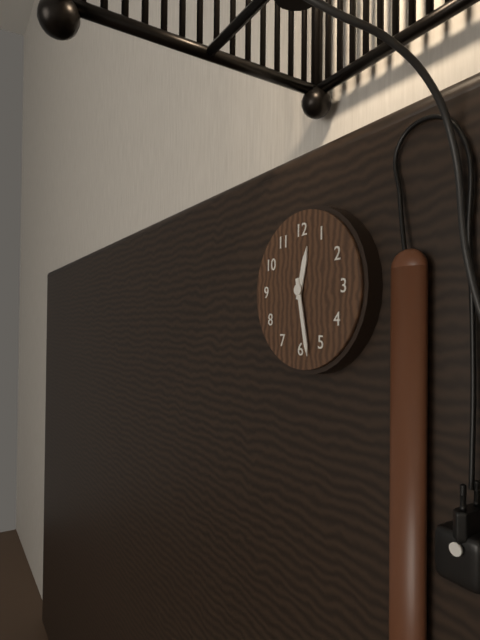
**12:28**
